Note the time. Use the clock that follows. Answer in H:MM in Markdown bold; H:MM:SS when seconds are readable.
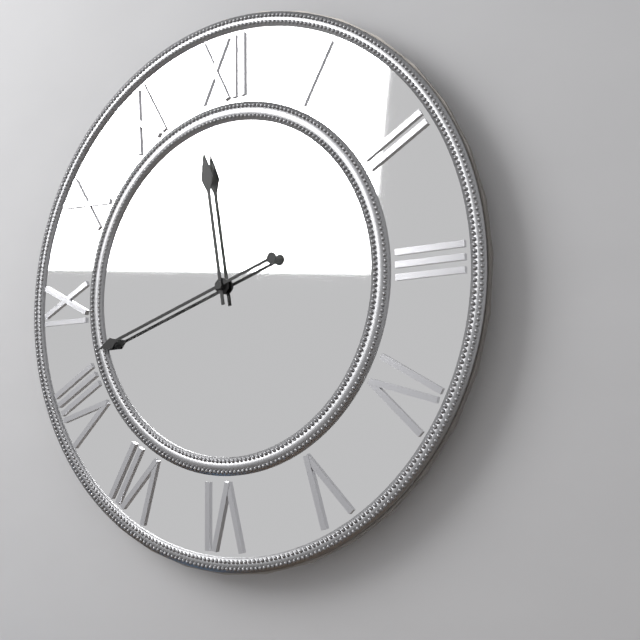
**11:42**
